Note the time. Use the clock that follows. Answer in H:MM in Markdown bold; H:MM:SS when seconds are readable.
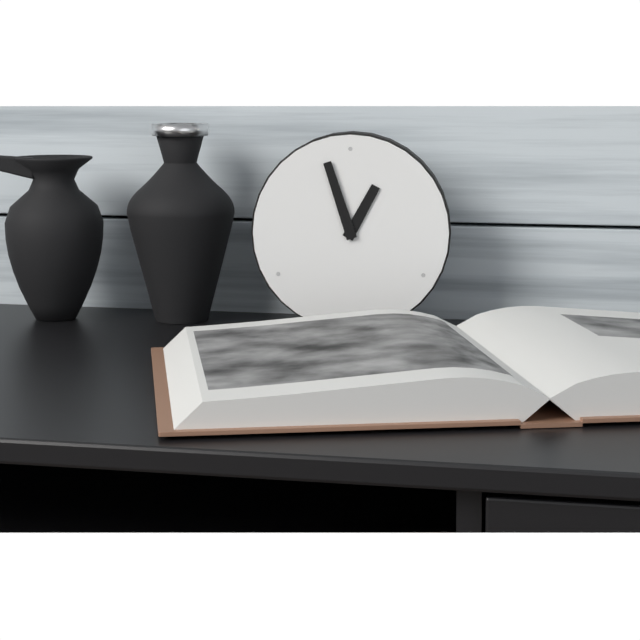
**12:57**
